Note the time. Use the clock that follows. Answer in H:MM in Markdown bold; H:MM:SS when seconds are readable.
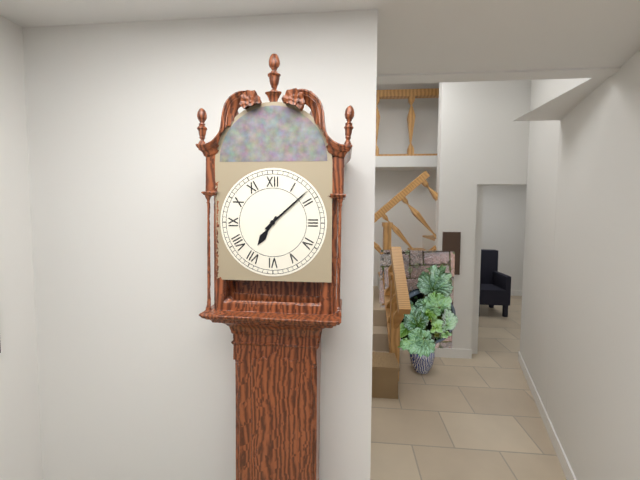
**7:08**
